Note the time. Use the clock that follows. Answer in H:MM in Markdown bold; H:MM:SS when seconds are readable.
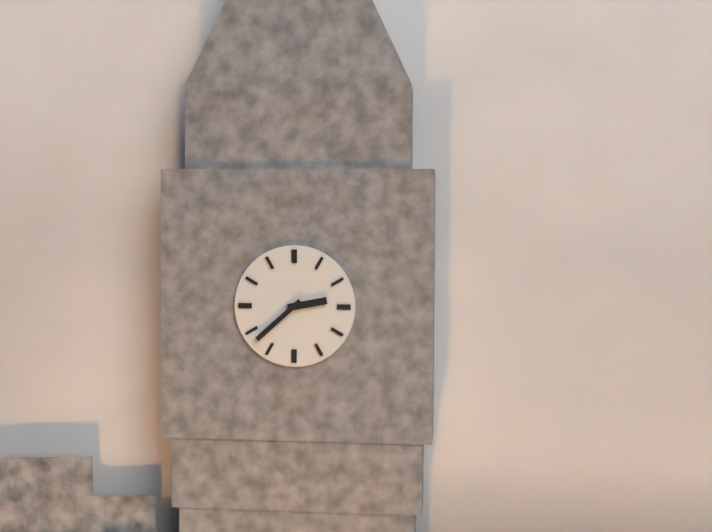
**2:38**
